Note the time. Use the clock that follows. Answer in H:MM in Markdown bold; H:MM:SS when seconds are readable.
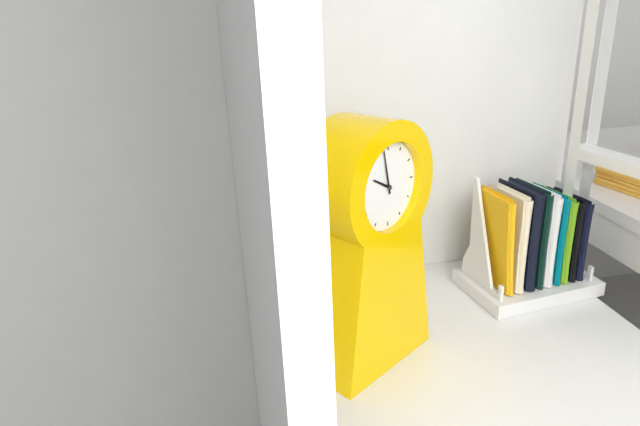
**9:58**
